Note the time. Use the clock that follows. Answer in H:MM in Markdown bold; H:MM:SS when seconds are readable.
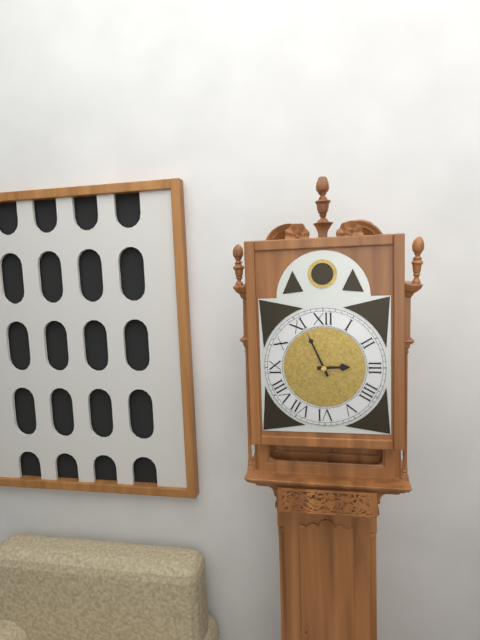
**2:56**
